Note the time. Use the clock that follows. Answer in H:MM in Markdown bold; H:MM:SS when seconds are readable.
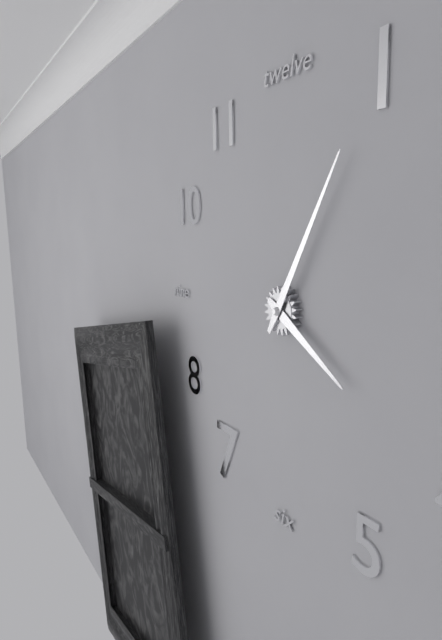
**4:05**
